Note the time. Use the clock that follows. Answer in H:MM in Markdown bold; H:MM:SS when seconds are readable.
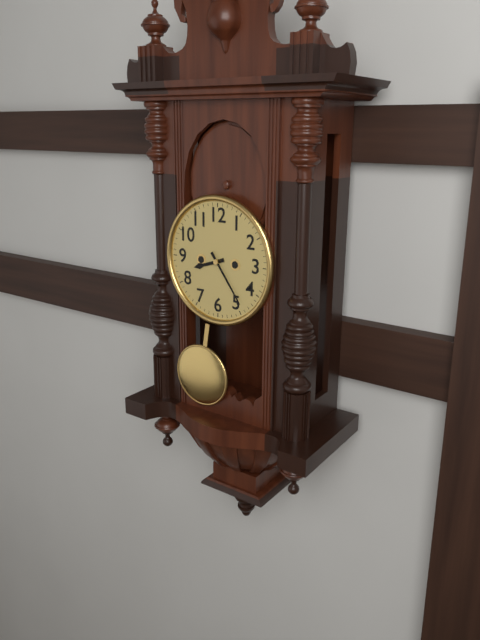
**8:24**
